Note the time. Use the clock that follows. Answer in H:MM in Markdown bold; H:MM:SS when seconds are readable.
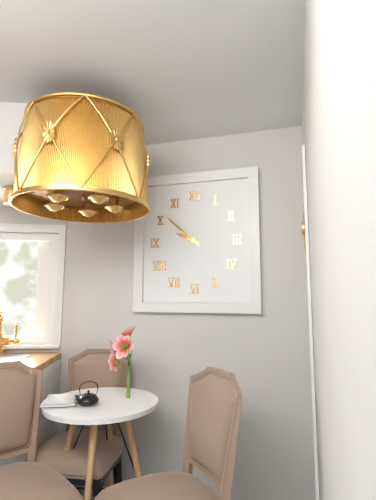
**9:52**
